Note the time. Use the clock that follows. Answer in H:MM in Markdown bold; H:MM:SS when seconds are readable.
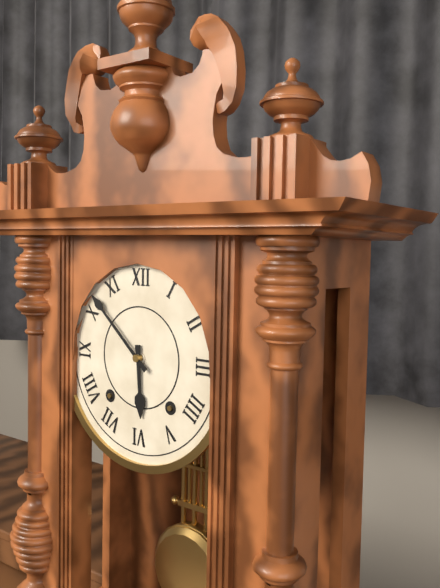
**5:52**
